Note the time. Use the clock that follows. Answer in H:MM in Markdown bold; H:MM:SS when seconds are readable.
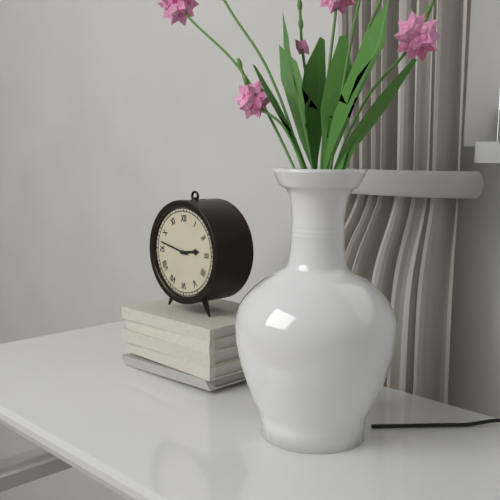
**2:47**
